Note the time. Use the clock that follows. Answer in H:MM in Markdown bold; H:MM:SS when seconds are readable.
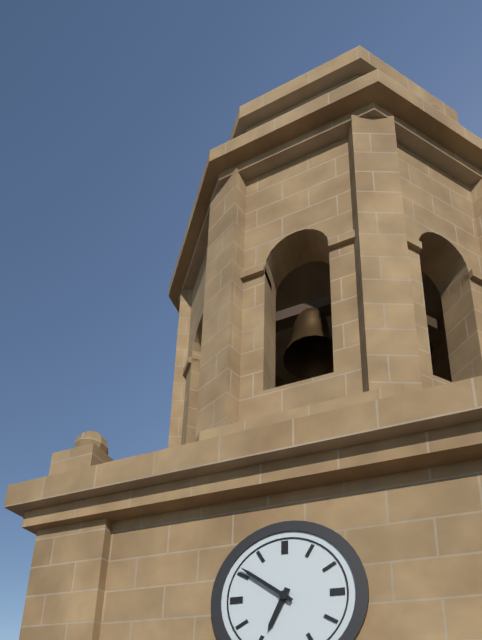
**6:51**
